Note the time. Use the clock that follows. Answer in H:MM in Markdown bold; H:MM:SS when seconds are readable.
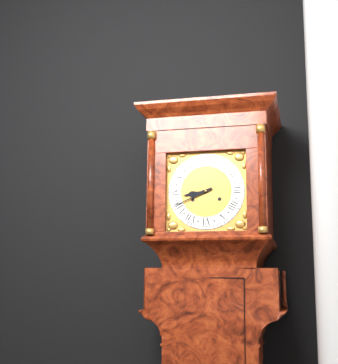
**8:41**
